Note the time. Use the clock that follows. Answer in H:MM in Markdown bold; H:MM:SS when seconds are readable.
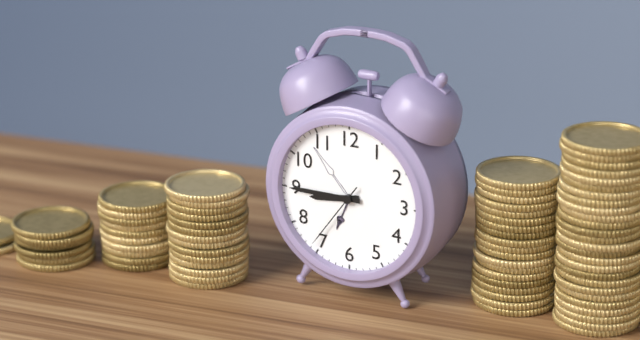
**8:45:36**
